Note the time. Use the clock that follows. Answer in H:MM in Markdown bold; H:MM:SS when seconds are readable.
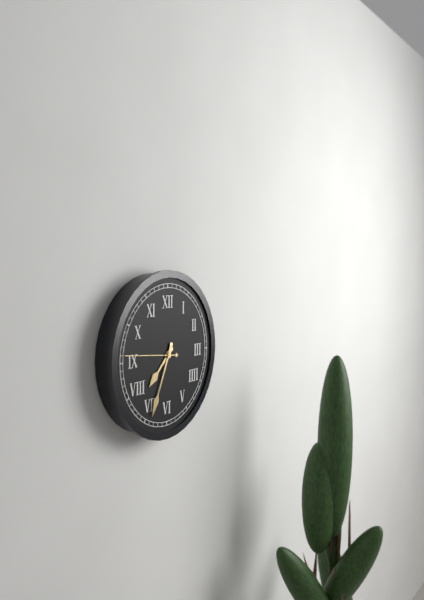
**7:34**
